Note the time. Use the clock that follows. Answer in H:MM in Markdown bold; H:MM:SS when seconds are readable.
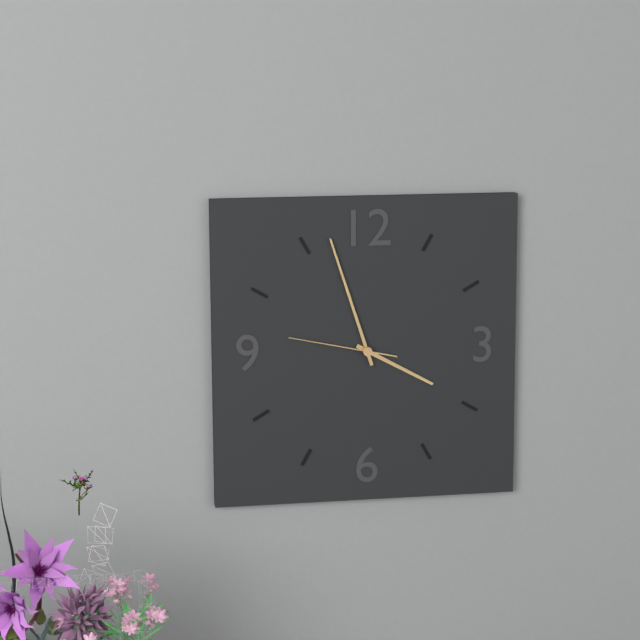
**3:57:47**
